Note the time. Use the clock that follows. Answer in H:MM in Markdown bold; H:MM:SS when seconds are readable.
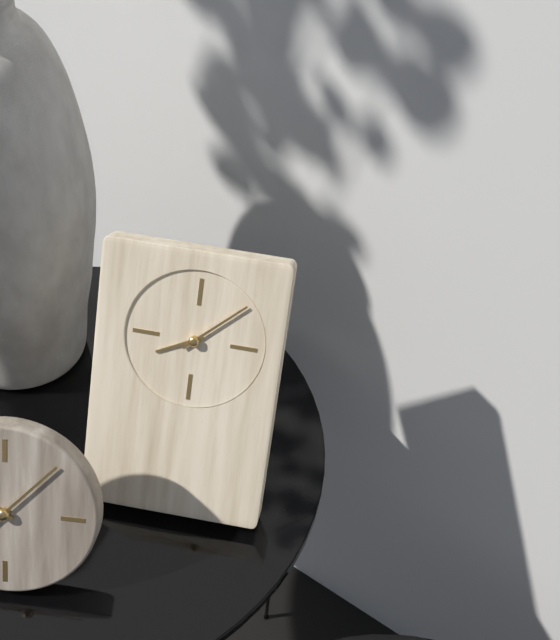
**8:08**
